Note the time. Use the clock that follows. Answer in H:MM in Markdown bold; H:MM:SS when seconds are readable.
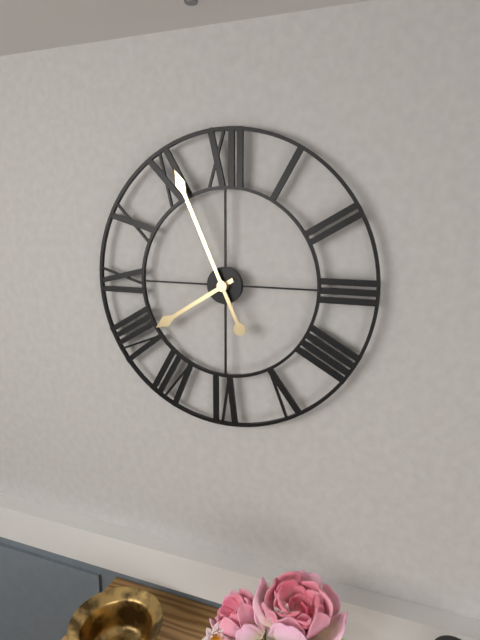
**7:56**
